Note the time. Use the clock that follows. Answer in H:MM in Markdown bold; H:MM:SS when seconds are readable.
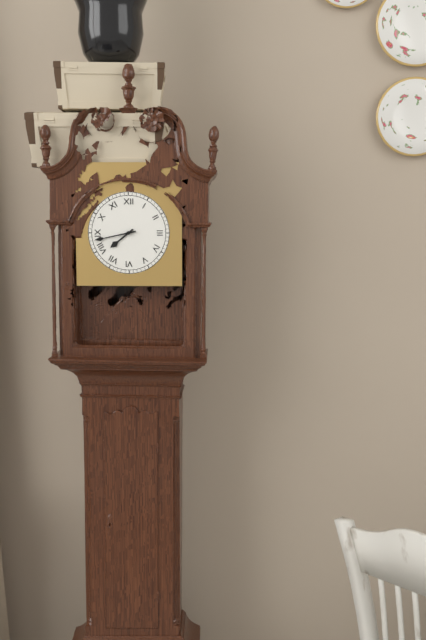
**7:43**
